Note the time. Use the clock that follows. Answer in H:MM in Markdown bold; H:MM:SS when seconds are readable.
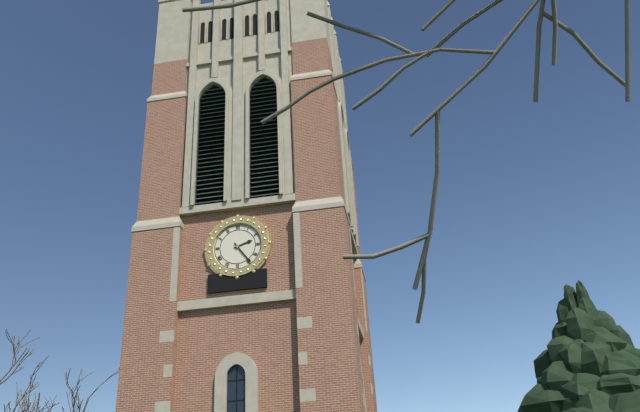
**2:24**
